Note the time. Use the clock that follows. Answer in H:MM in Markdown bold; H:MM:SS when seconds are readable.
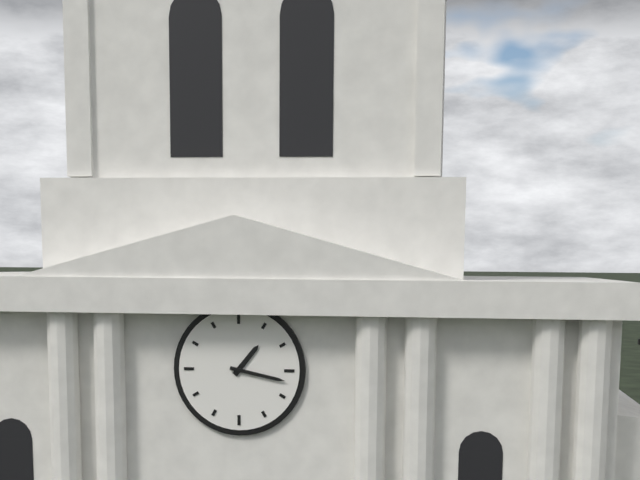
**1:17**
